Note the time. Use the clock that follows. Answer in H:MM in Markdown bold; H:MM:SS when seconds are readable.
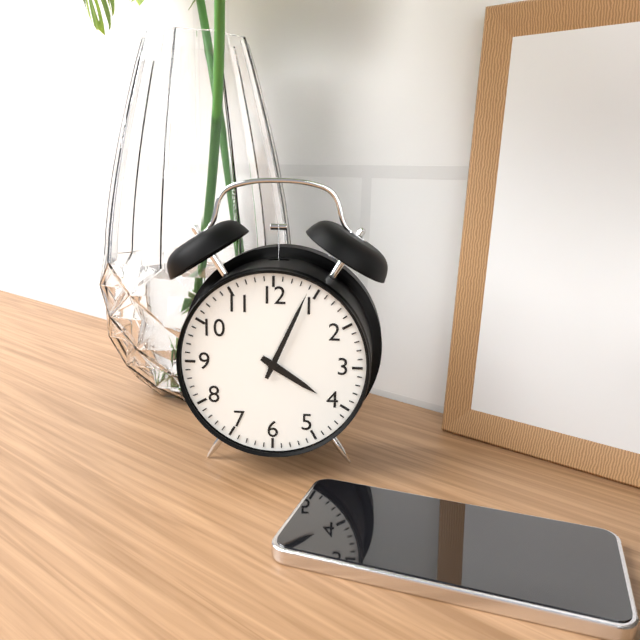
**4:04**
